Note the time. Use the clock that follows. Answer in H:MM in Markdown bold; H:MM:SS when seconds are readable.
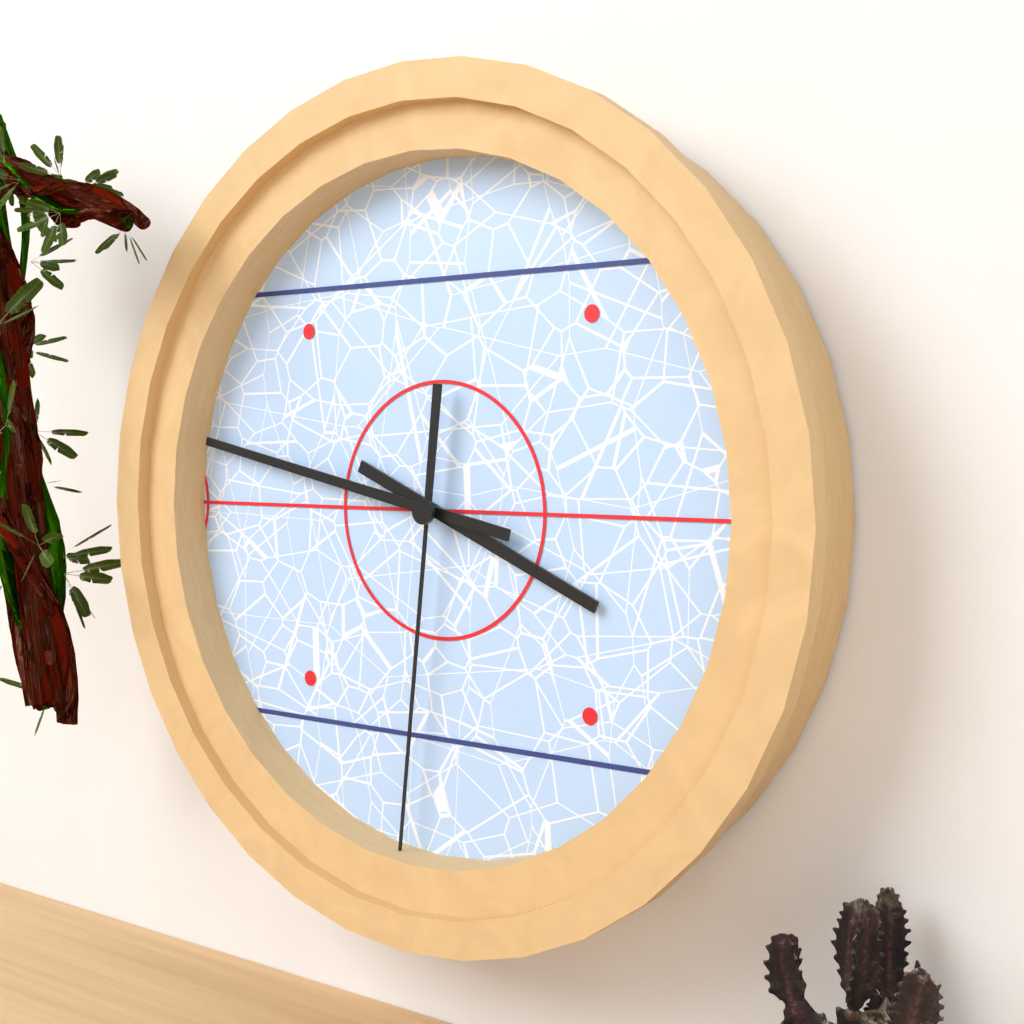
**3:47:31**
